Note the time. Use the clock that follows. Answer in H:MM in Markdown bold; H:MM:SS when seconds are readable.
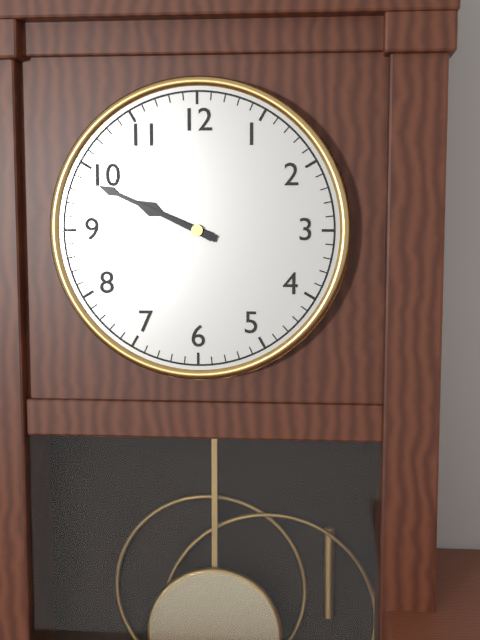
**9:49**
